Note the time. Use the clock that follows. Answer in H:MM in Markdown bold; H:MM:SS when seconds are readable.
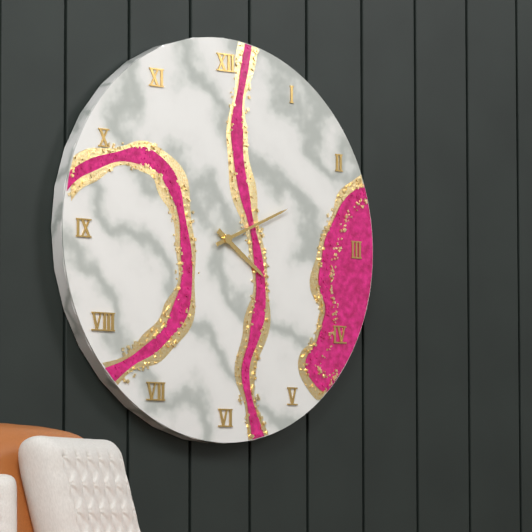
**4:11**
